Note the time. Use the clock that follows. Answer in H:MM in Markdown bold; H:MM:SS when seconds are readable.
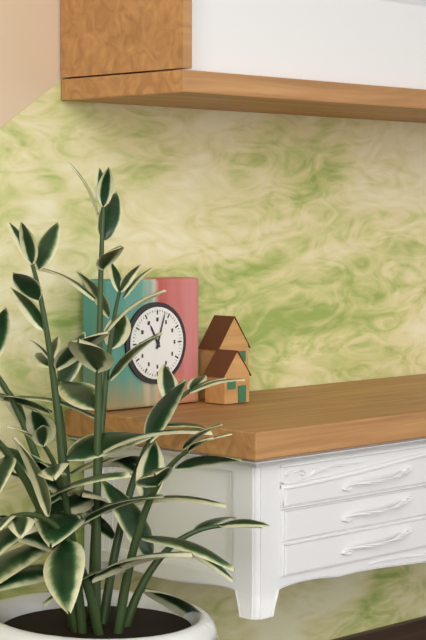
**11:03**
